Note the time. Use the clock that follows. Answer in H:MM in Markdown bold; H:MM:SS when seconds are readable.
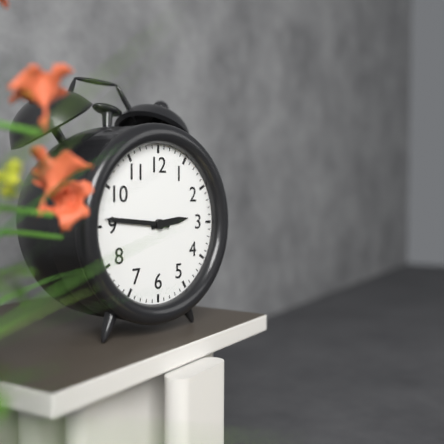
**2:46**
